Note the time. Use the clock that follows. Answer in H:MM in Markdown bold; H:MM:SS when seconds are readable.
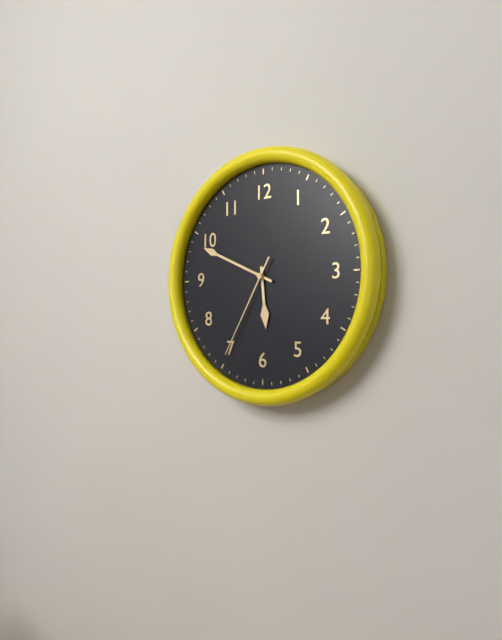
**5:49:35**
